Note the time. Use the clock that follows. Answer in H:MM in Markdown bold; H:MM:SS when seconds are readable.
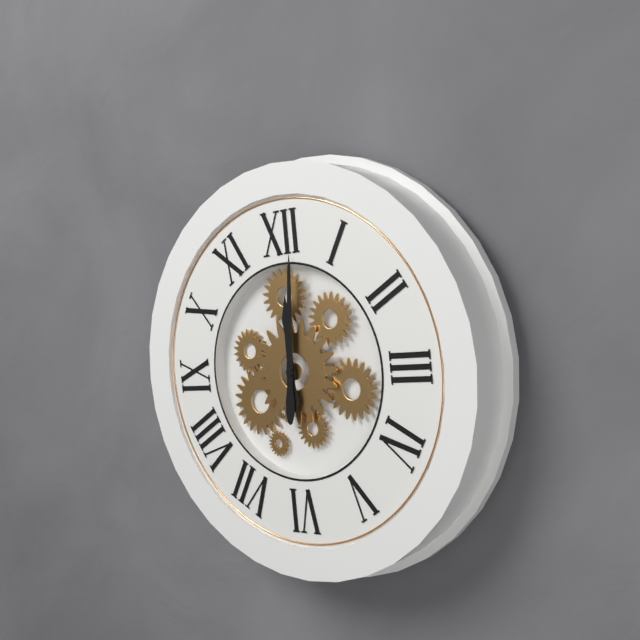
**12:01**
